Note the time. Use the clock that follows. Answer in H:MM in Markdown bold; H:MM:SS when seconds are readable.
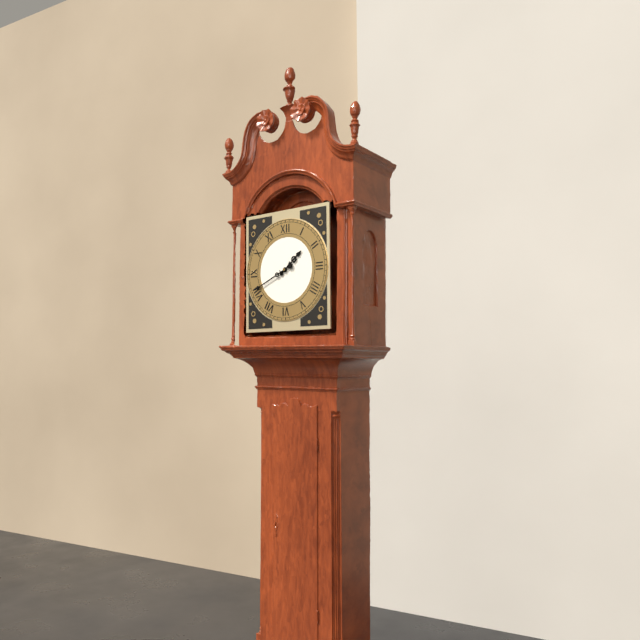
**1:41**
